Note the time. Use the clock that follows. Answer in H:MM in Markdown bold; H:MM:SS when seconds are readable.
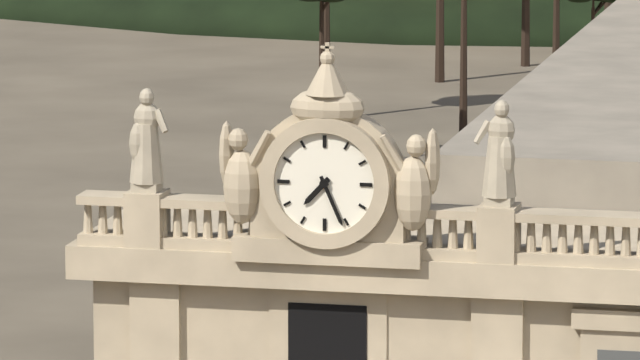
**7:26**
